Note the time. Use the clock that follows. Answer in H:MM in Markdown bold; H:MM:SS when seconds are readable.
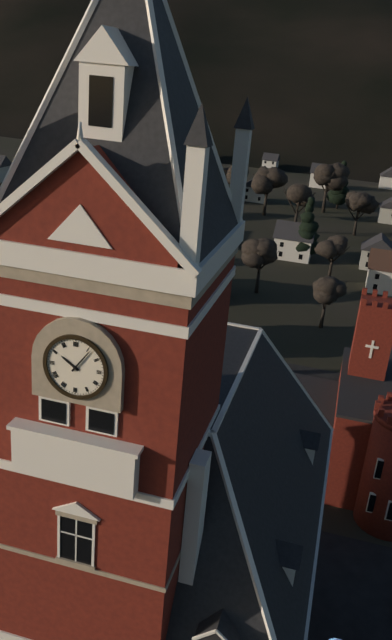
**10:06**
